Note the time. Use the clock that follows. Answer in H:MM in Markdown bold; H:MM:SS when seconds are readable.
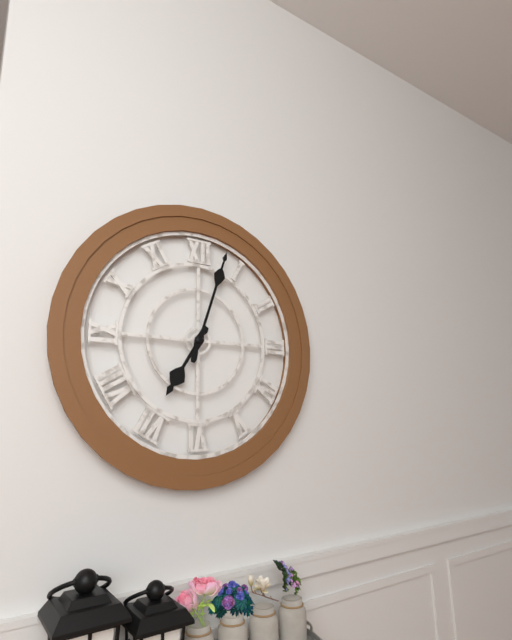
**7:03**
